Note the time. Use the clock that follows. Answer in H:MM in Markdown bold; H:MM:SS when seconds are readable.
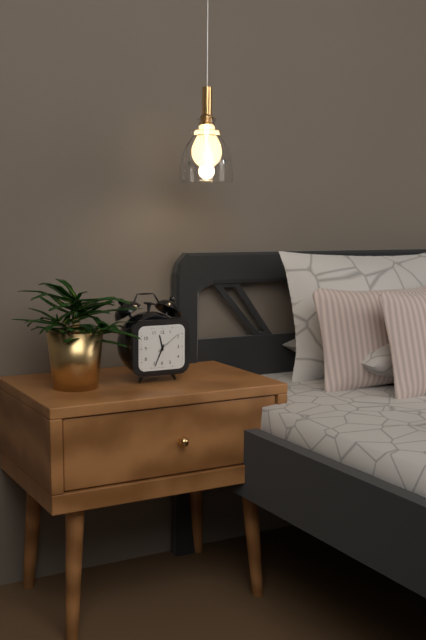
**11:34**
